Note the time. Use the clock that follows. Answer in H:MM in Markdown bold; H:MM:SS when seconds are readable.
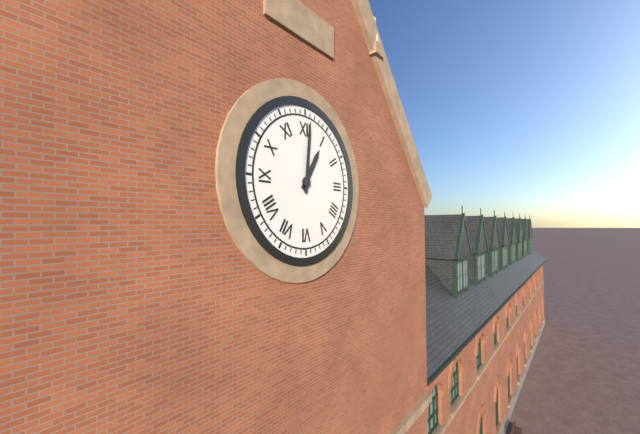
**1:01**
